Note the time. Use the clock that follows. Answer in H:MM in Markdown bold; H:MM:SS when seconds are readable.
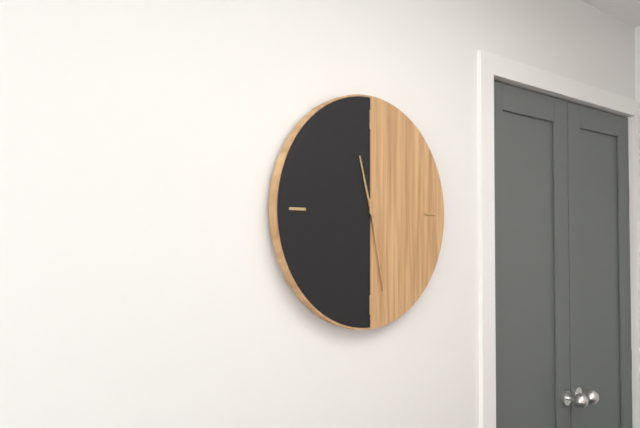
**11:28**
